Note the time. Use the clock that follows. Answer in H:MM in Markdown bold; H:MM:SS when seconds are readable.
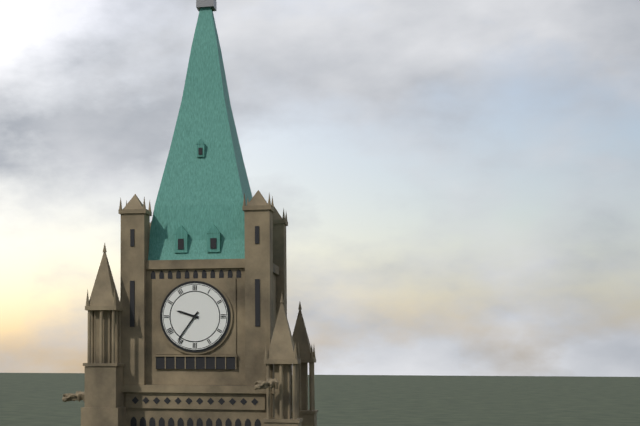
**9:36**
